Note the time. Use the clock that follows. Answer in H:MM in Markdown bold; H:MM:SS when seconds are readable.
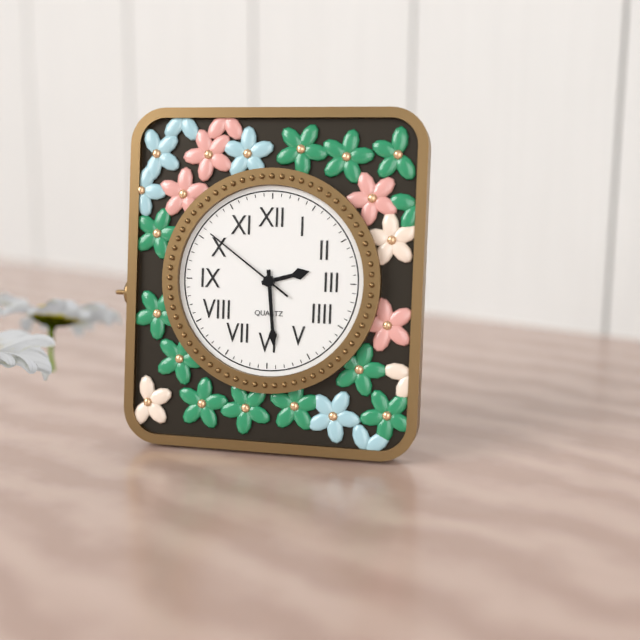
**2:29:51**
